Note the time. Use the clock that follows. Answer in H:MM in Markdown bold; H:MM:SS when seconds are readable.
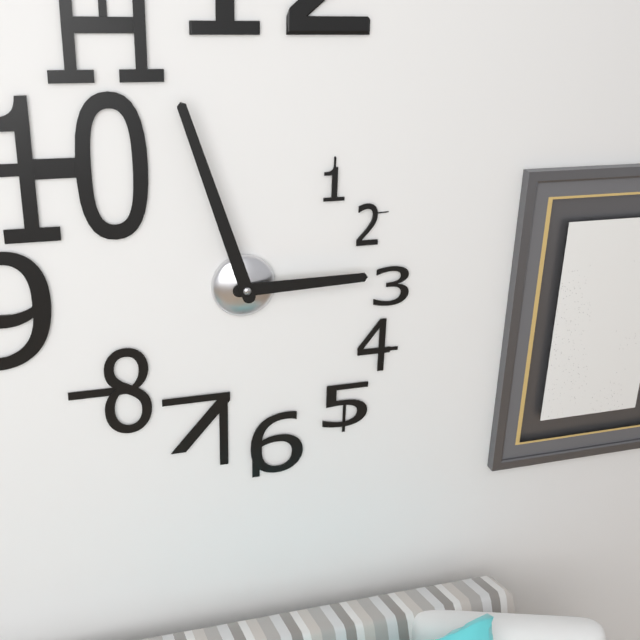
**2:57**
